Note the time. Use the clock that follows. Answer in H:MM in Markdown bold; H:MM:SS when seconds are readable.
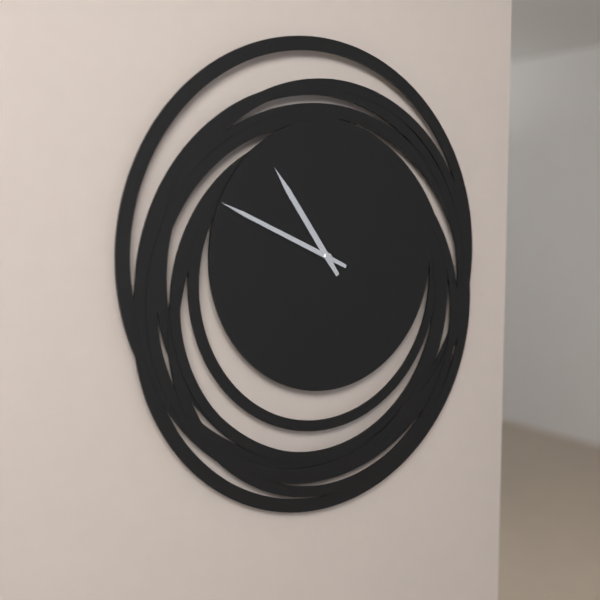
**10:49**
